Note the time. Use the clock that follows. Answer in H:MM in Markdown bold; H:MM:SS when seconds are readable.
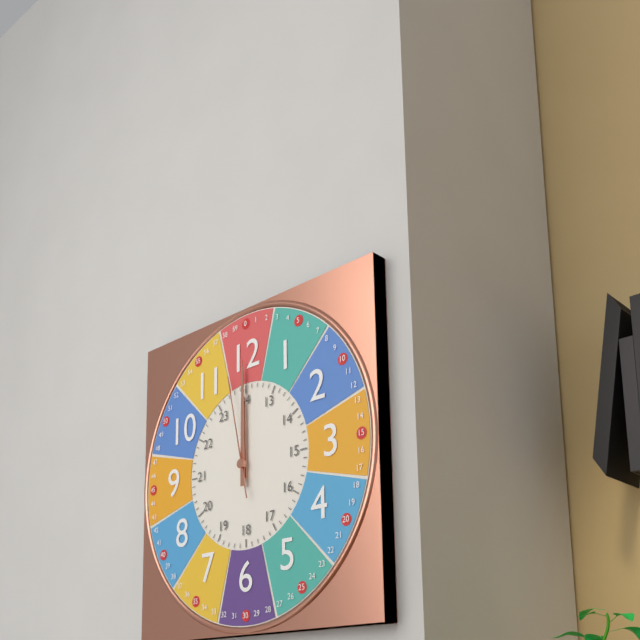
**12:00:58**
